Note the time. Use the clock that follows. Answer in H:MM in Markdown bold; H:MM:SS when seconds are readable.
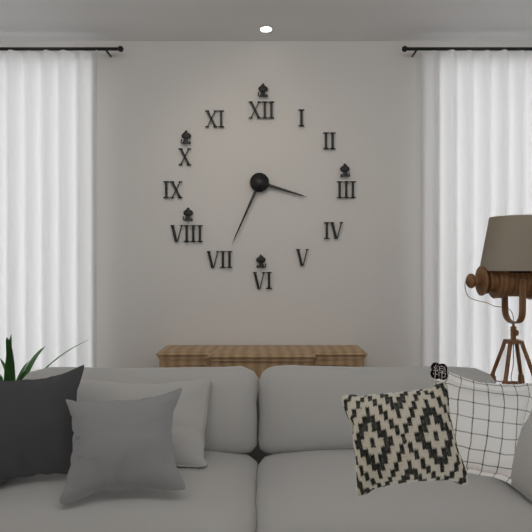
**3:34**
